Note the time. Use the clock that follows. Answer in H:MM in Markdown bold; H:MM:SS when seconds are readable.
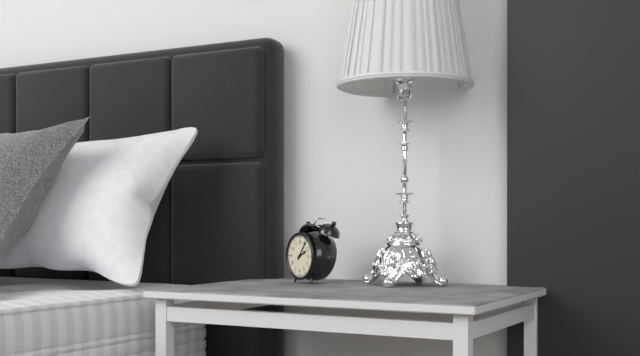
**2:06**
